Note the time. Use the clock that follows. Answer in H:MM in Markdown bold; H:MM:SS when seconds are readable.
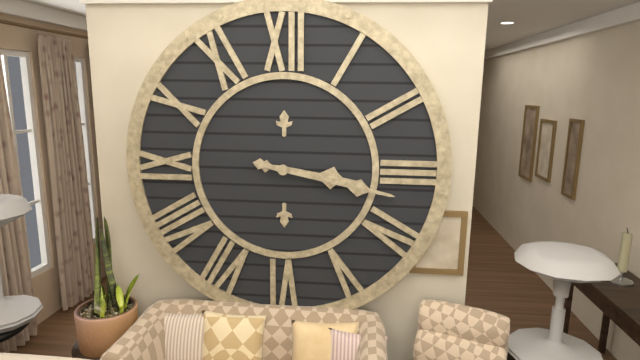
**3:17**
